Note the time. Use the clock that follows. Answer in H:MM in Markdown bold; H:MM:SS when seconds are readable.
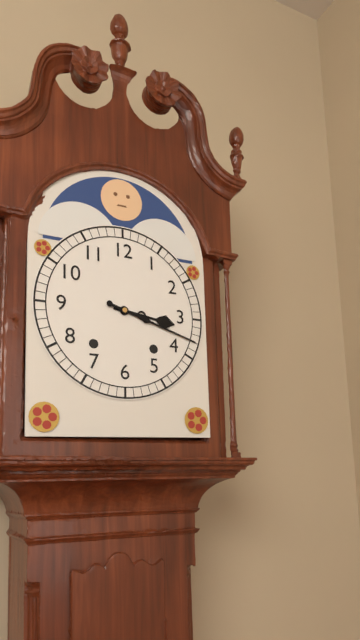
**3:18**
